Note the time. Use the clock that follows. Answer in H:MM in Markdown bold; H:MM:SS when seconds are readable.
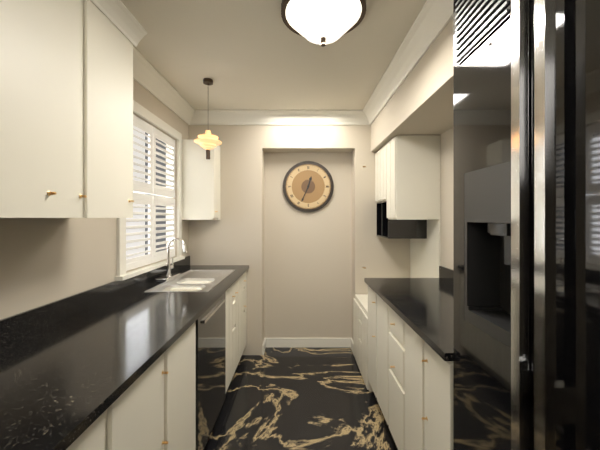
**12:34**
